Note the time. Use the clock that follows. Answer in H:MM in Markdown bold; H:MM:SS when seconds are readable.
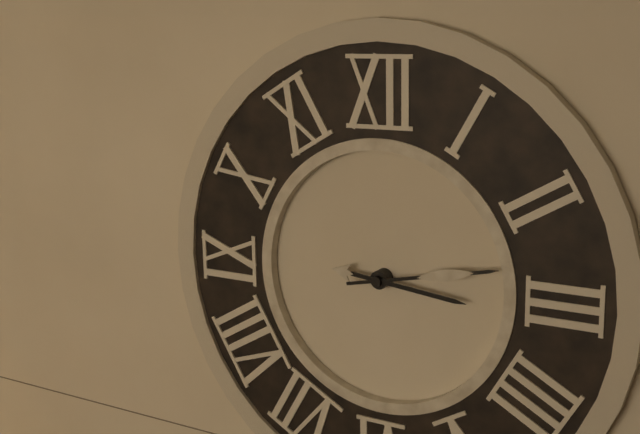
**3:13**
